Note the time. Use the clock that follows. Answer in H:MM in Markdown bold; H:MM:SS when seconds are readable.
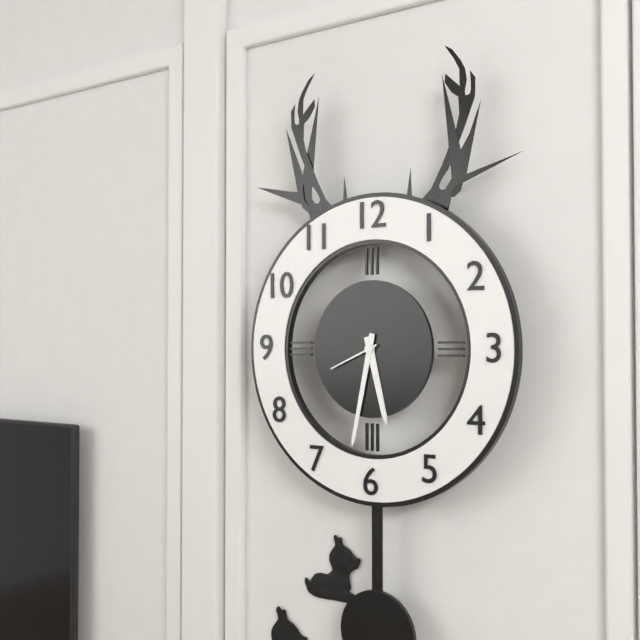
**5:32:41**
